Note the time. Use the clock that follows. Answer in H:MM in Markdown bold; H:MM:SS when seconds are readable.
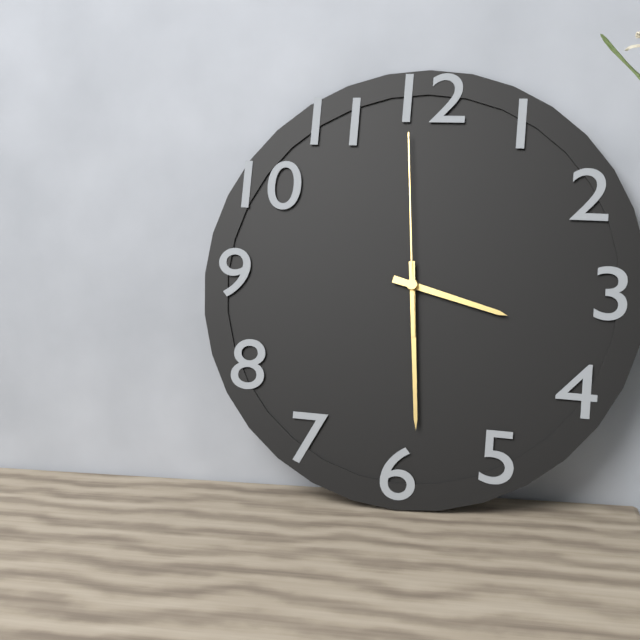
**3:29:59**
